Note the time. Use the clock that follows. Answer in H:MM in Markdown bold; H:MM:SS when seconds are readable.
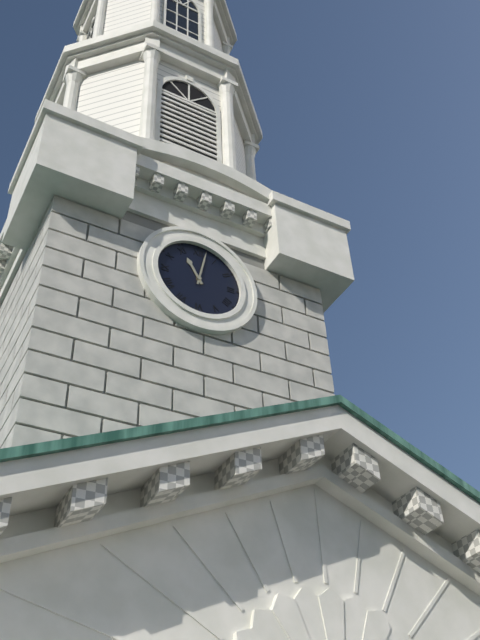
**11:02**
